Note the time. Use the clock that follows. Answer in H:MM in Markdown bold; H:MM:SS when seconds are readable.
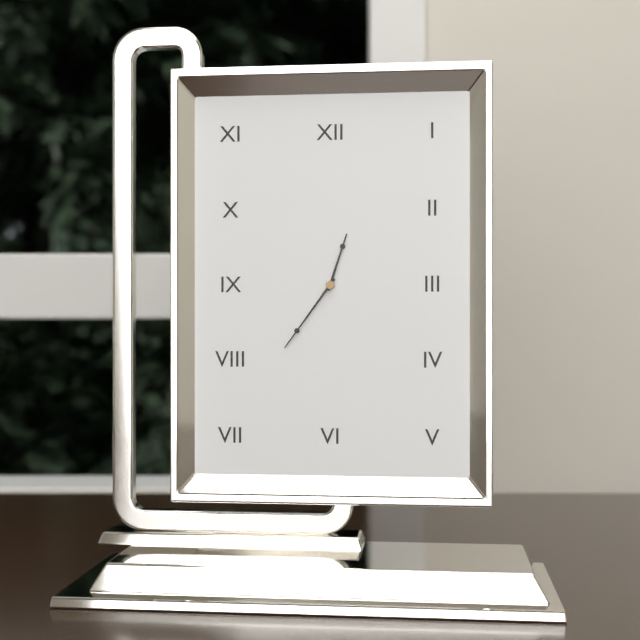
**12:36**
